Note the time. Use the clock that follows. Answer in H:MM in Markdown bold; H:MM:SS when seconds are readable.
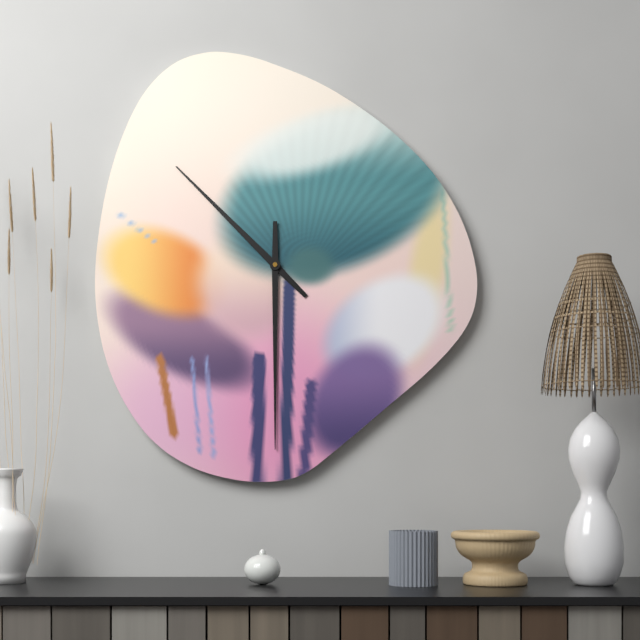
**10:30**
